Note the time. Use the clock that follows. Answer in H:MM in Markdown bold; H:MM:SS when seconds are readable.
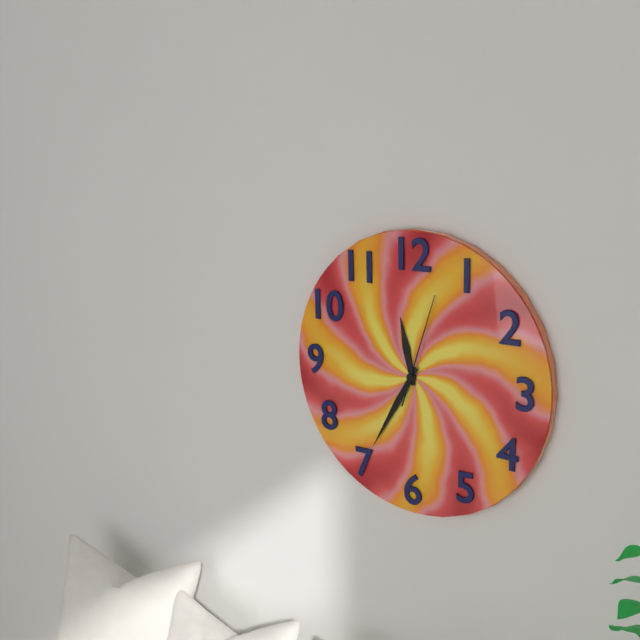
**11:35:03**
